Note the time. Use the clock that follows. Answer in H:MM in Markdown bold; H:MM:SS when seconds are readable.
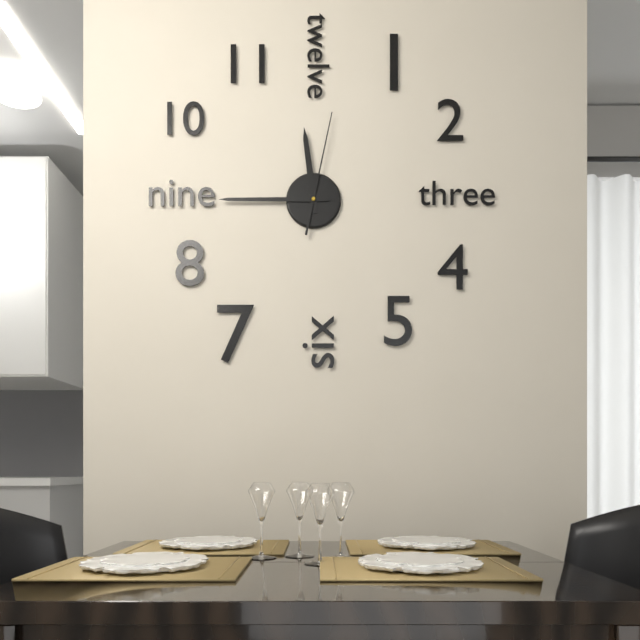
**11:45:02**
